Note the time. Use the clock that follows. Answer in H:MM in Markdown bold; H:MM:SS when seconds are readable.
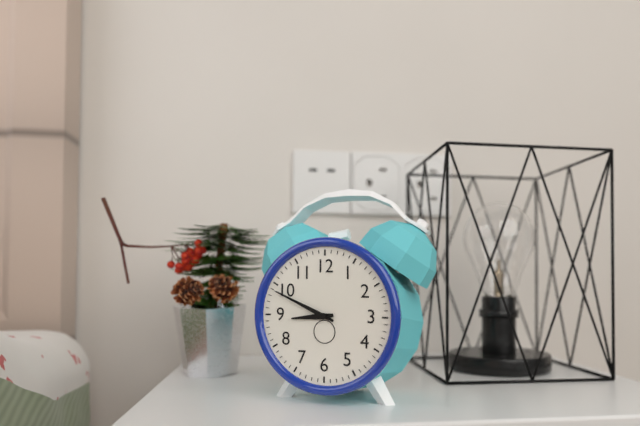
**8:49**
